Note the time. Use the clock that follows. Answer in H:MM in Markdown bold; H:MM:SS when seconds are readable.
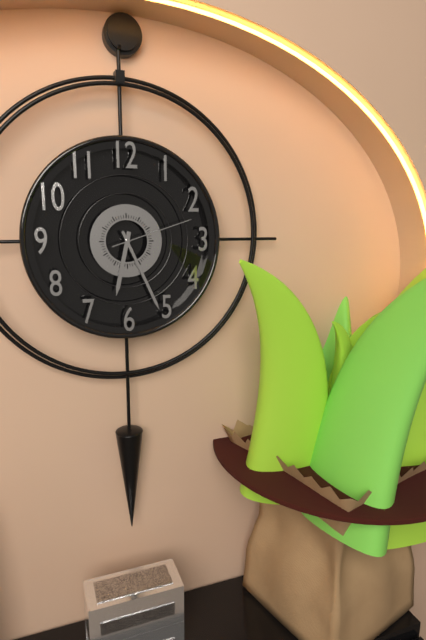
**6:26:12**
